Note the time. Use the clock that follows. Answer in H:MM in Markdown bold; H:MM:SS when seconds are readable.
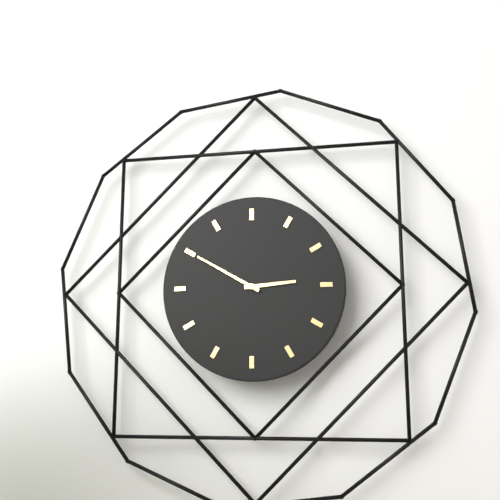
**2:50**
